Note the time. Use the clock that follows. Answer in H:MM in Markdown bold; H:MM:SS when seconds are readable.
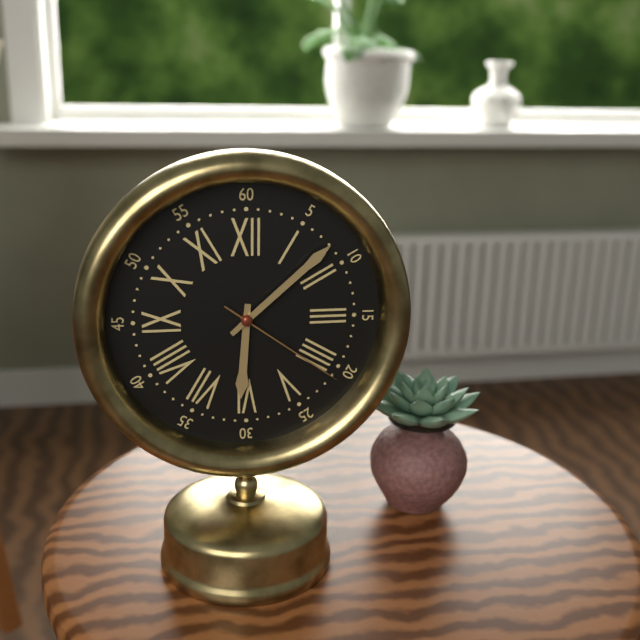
**6:08:21**
